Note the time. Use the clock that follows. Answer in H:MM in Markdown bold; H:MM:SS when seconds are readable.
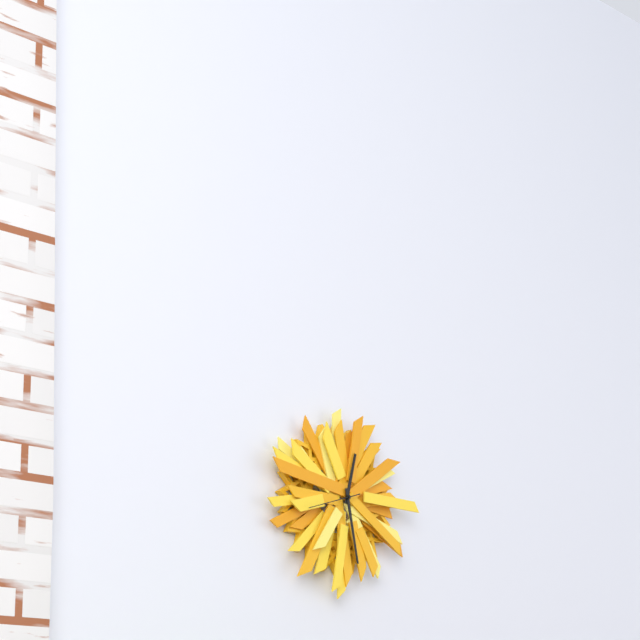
**12:28:42**
